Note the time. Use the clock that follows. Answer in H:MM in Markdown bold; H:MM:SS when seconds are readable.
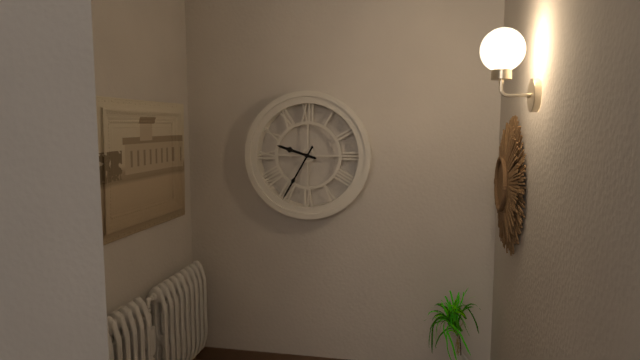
**9:35**
